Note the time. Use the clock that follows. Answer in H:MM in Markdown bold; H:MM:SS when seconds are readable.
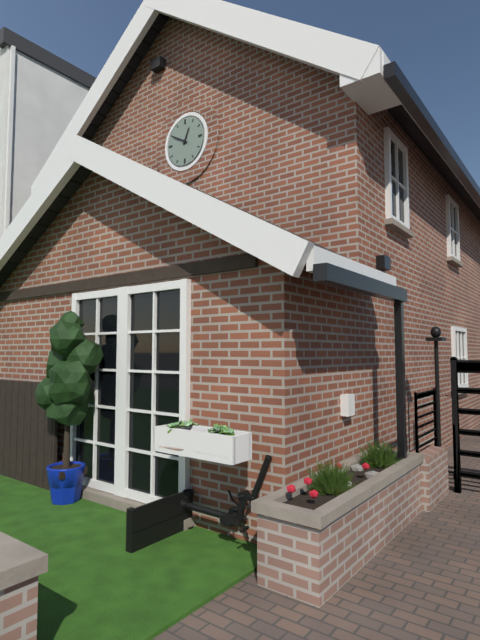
**12:50**
